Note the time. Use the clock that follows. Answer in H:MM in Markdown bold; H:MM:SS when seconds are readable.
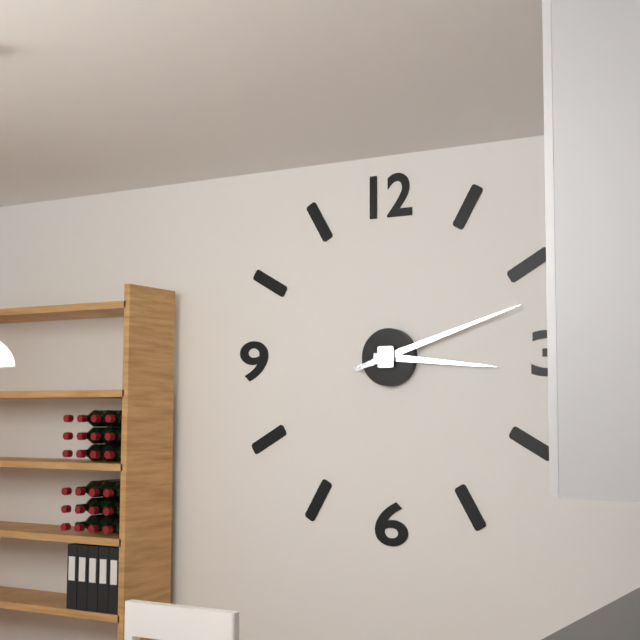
**3:12**
